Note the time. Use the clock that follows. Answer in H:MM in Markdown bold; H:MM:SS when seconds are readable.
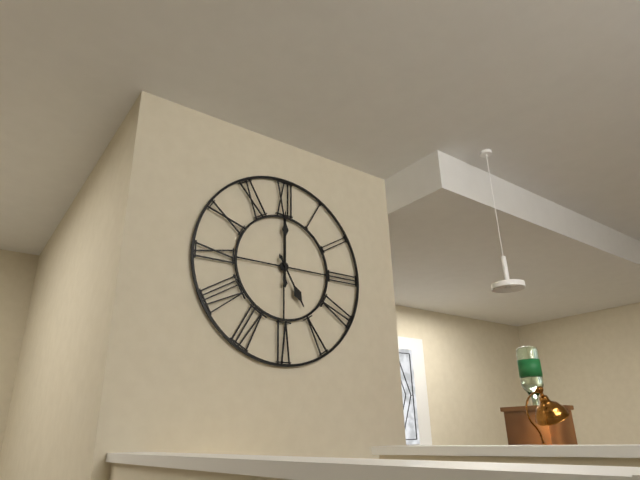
**5:00**
